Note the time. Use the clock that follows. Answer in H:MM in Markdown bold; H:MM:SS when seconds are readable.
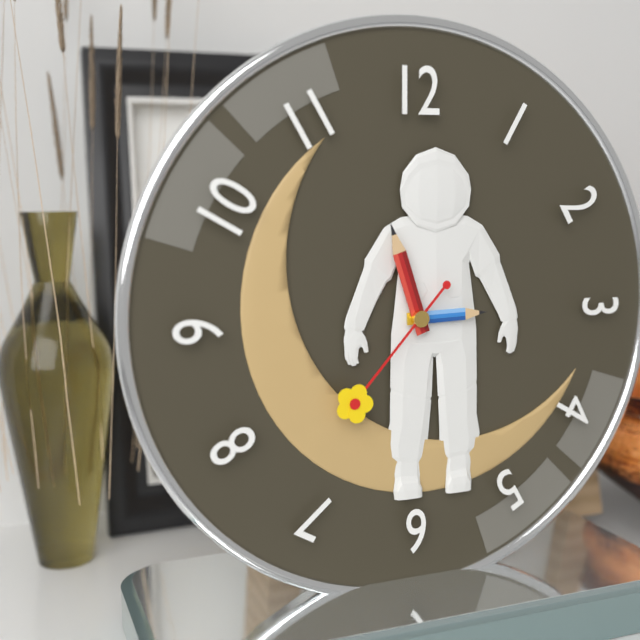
**2:57:37**
